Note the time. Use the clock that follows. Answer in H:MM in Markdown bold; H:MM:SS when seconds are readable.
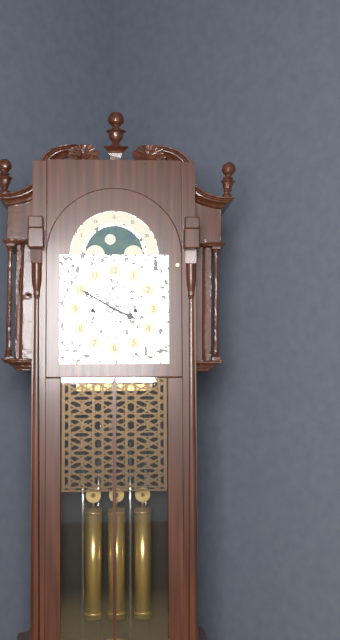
**3:50**
